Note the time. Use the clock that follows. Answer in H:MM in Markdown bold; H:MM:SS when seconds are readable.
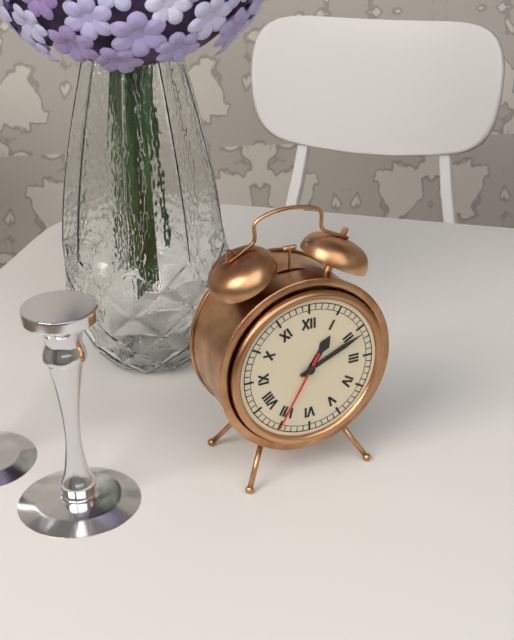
**1:11:35**
